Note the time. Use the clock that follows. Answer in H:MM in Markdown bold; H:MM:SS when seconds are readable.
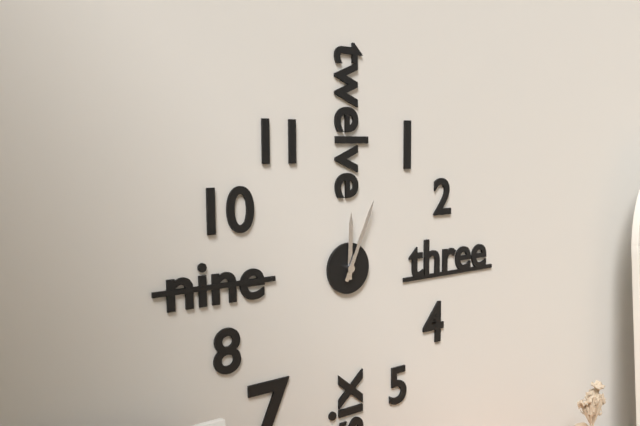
**12:04**
